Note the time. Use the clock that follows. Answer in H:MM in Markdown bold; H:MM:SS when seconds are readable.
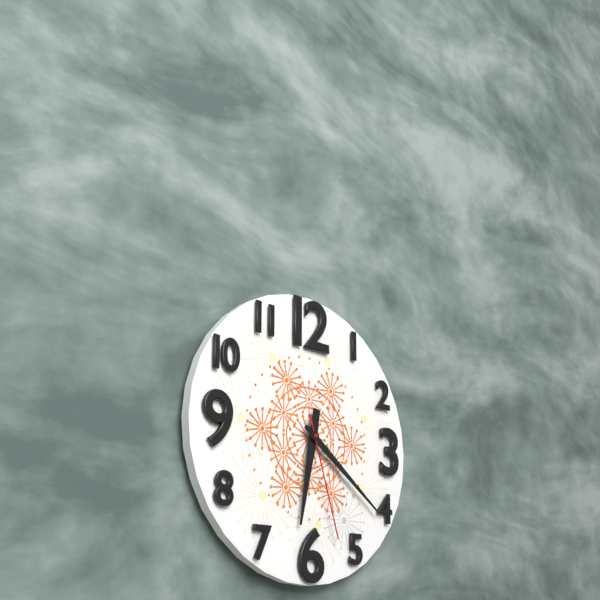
**6:21:27**
